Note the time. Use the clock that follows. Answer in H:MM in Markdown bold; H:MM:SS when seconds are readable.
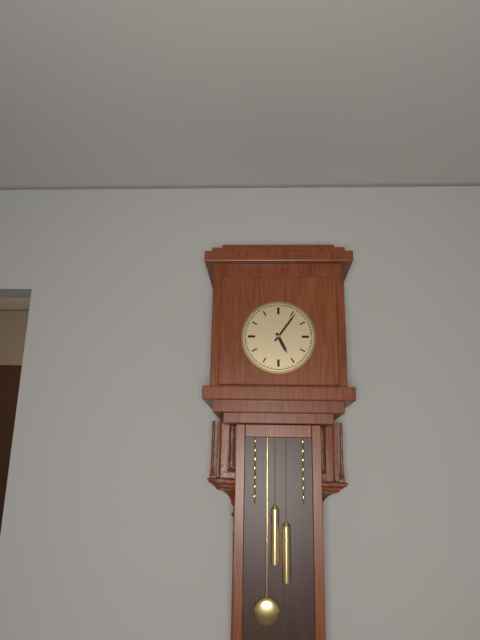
**5:06**
